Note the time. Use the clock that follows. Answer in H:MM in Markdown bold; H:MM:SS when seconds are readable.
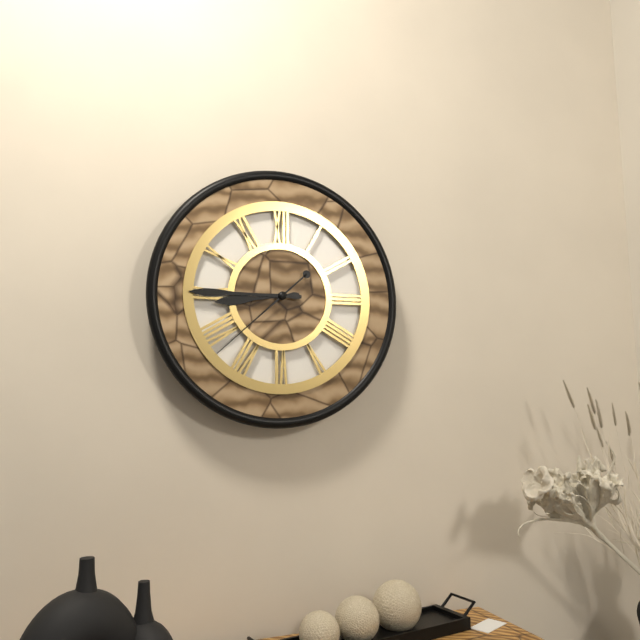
**8:45:38**
